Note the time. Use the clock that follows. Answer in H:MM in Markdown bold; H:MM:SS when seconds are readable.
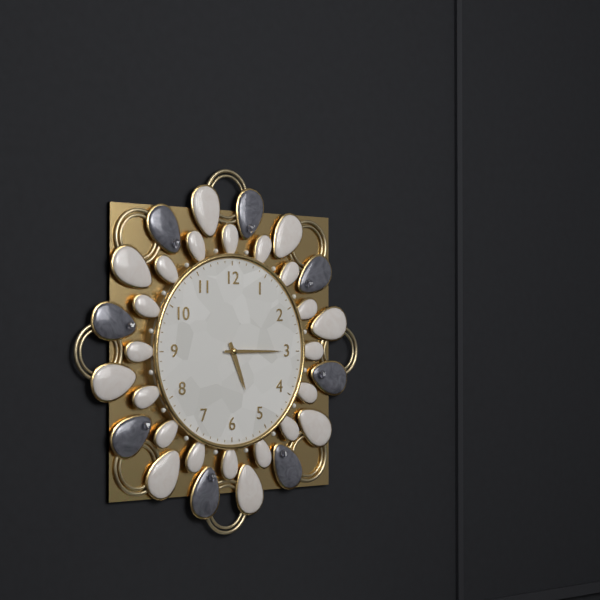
**5:15**
